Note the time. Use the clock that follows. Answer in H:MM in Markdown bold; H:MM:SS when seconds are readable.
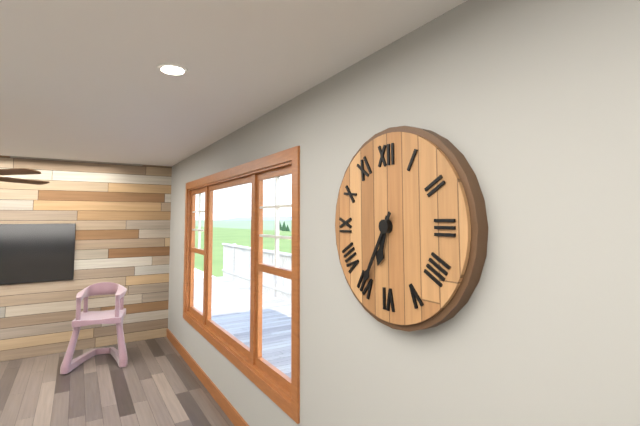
**6:35**
